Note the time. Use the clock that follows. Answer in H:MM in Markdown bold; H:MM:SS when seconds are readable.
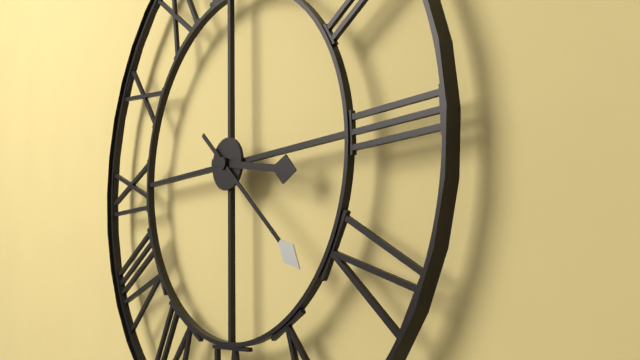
**3:22**
